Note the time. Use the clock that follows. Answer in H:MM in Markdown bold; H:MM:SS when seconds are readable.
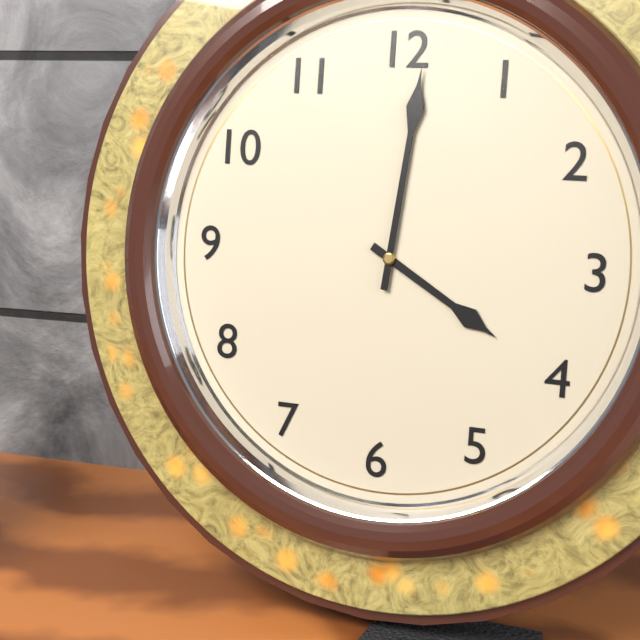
**4:01**
